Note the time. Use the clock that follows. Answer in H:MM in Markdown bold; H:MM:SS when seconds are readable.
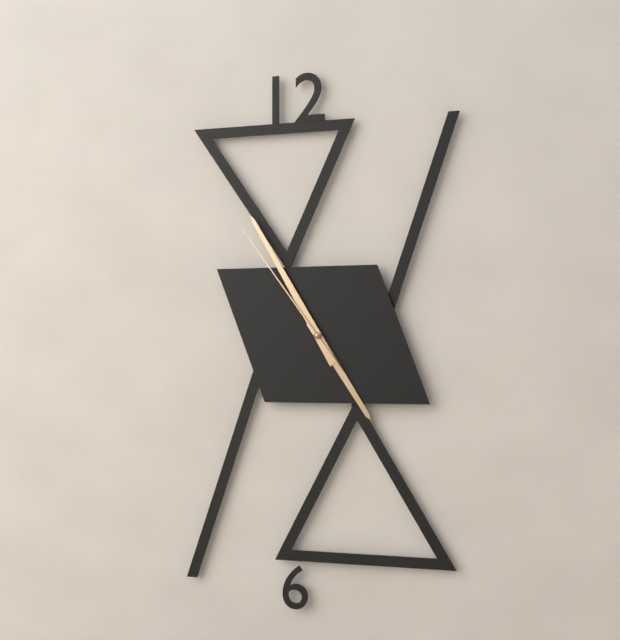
**4:55:54**
